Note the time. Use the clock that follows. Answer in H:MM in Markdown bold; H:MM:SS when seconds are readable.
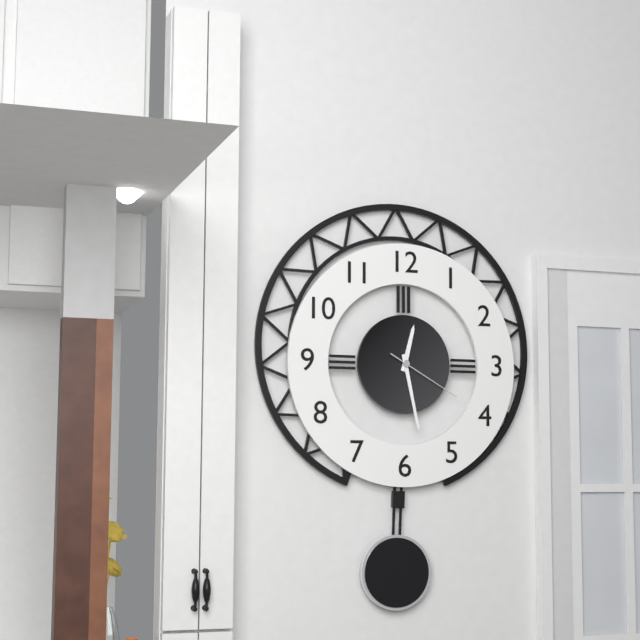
**12:28:20**
